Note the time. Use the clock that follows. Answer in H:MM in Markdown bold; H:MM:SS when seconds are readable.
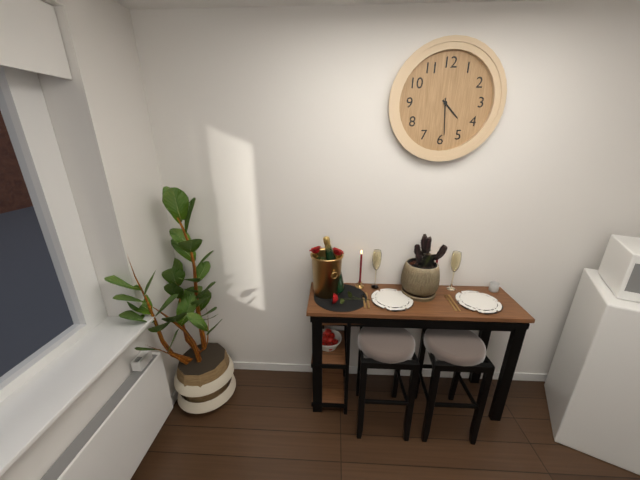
**4:29**
